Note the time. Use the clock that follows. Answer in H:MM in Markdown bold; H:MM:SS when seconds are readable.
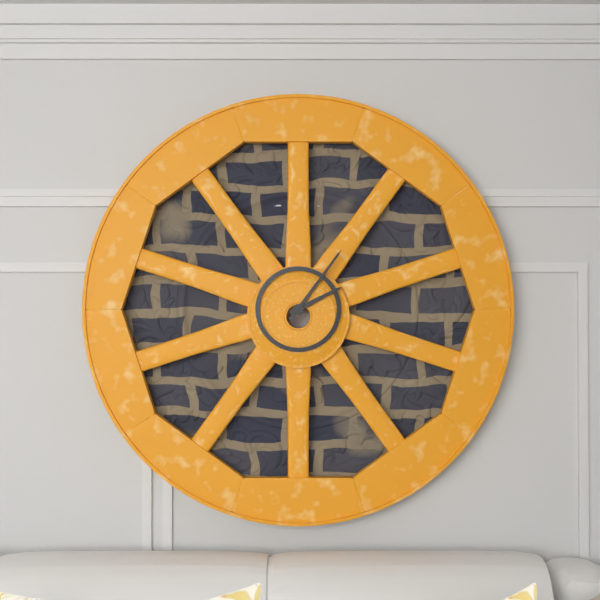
**2:06**
